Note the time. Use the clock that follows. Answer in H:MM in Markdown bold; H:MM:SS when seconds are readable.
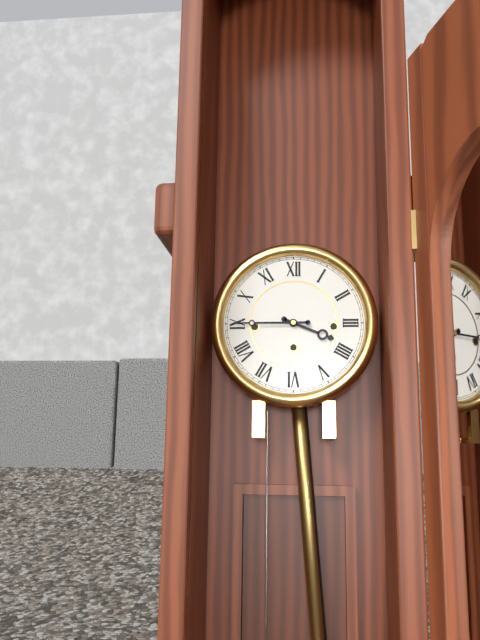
**3:45**
